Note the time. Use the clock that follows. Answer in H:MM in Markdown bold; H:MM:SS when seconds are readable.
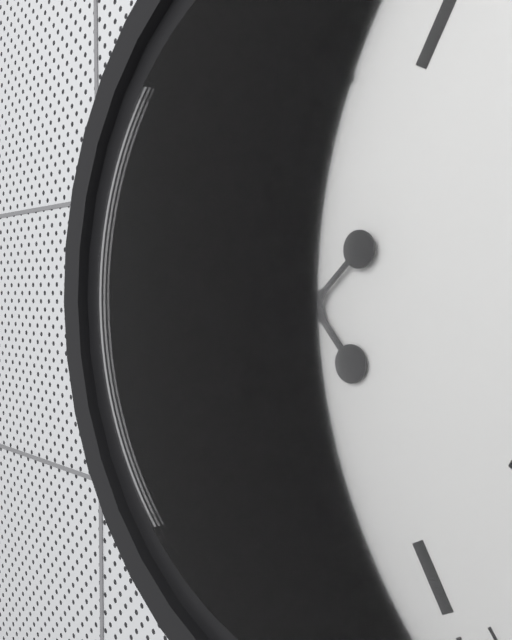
**10:38**
